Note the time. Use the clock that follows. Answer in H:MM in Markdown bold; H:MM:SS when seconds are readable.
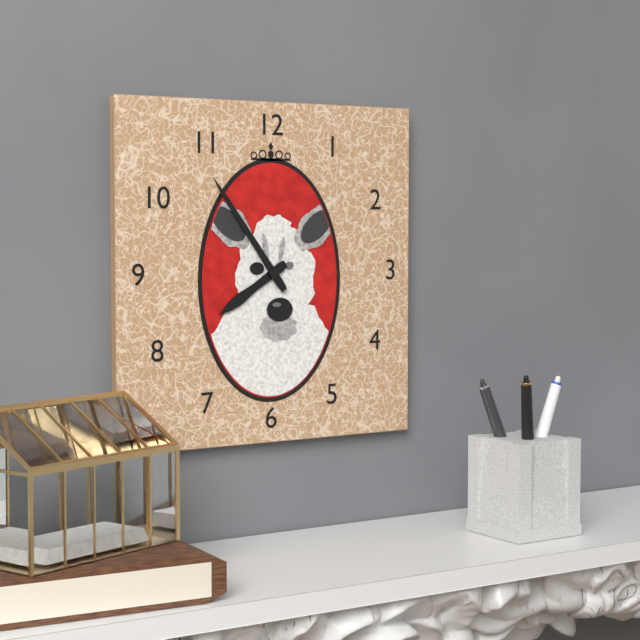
**7:54**
